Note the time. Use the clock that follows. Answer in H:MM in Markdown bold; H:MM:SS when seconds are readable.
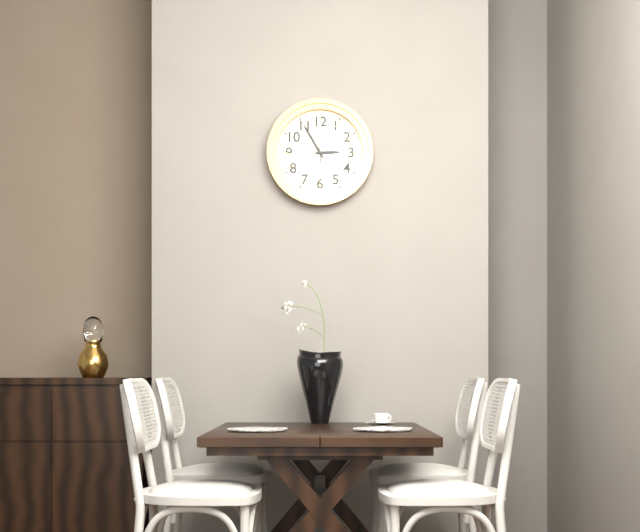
**2:55**
